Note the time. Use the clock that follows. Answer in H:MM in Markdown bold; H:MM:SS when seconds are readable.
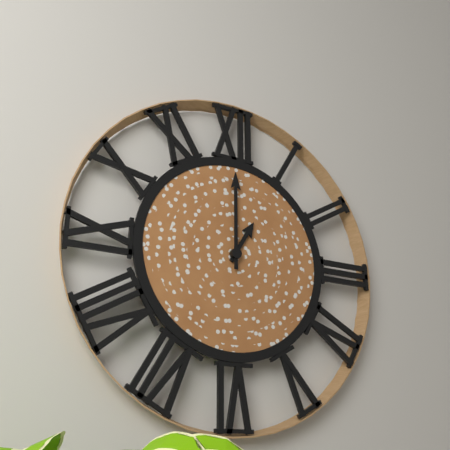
**1:00**
